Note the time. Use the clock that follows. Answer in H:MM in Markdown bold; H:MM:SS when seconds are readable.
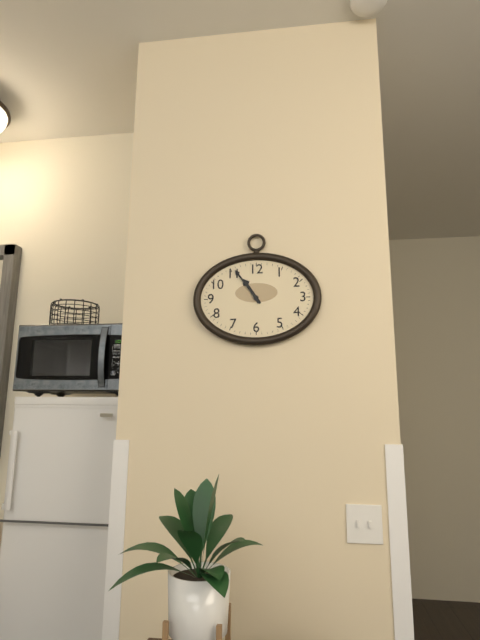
**10:54**
